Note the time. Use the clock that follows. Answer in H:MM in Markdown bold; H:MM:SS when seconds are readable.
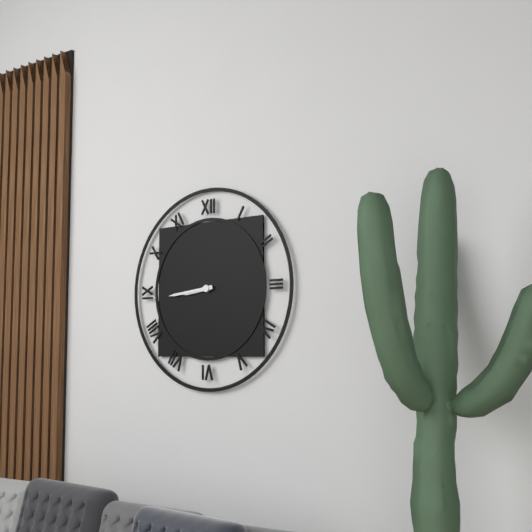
**8:44**
